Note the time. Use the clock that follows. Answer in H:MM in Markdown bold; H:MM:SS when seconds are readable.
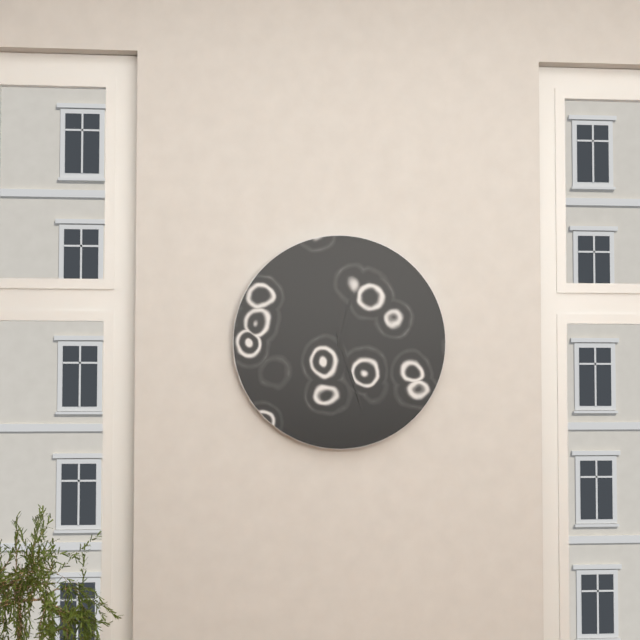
**12:27**
